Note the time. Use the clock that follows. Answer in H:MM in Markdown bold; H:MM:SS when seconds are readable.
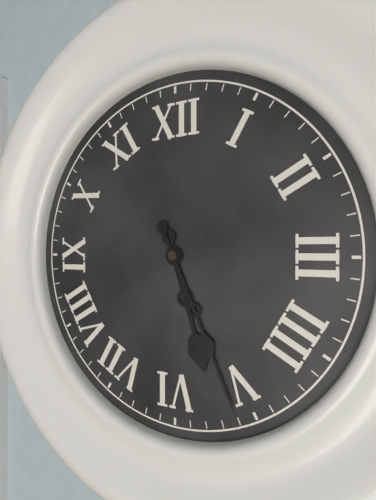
**5:26**
